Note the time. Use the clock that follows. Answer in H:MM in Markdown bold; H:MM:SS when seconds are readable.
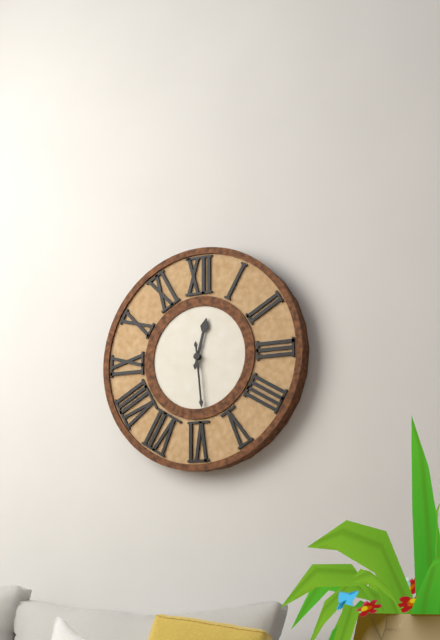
**12:29**
